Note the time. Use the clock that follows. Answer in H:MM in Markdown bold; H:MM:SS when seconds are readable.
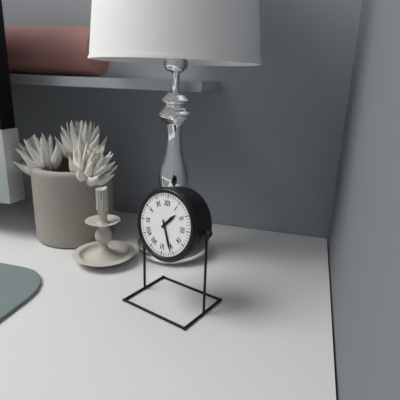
**1:26**
